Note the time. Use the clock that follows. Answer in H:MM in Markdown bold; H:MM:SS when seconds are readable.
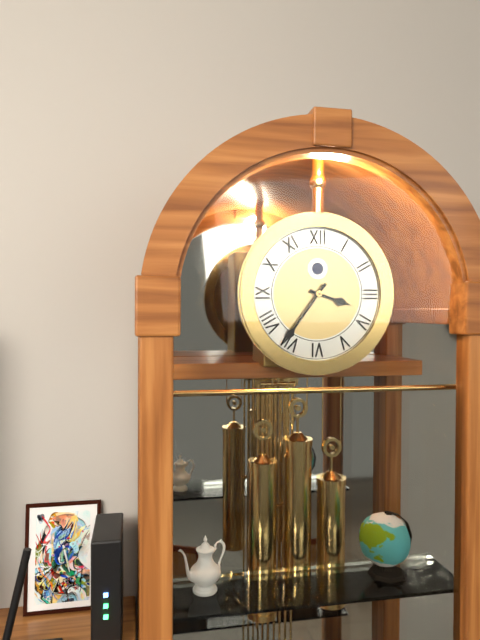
**3:36**
